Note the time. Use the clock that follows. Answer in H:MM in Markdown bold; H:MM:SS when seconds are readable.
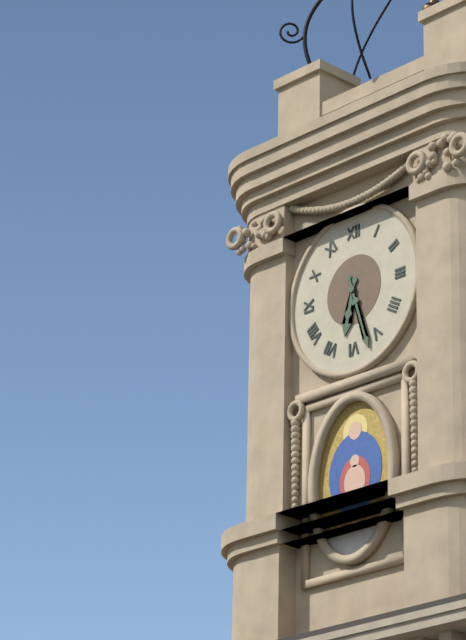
**6:27**
